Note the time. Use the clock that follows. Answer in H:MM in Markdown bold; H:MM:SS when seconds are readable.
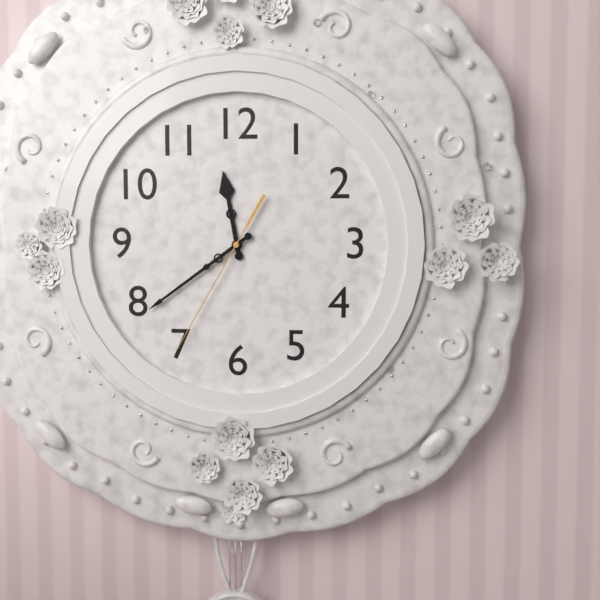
**11:39:35**
